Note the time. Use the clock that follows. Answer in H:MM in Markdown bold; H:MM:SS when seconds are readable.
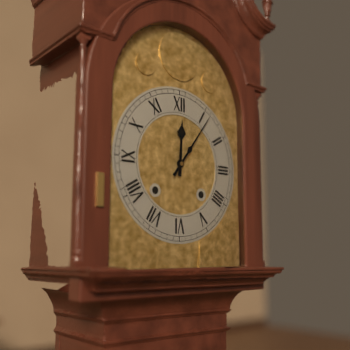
**12:06**
